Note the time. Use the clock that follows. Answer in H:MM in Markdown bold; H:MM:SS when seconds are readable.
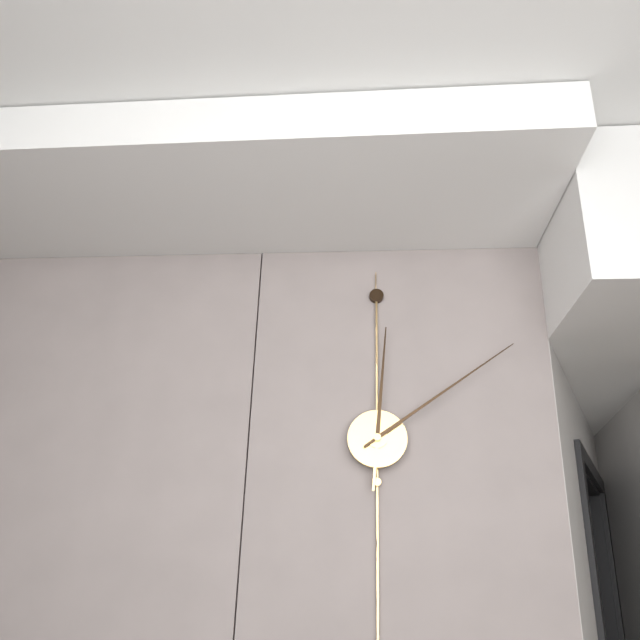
**12:09**
